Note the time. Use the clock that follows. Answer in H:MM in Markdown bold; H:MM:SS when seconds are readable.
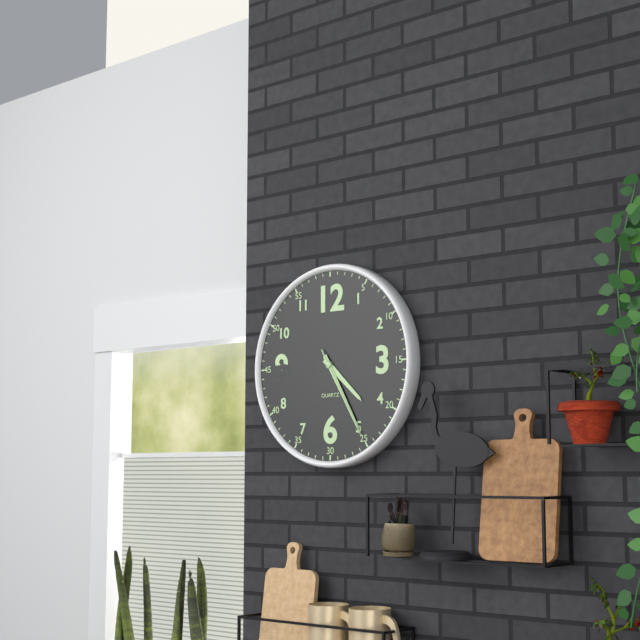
**4:25:25**
